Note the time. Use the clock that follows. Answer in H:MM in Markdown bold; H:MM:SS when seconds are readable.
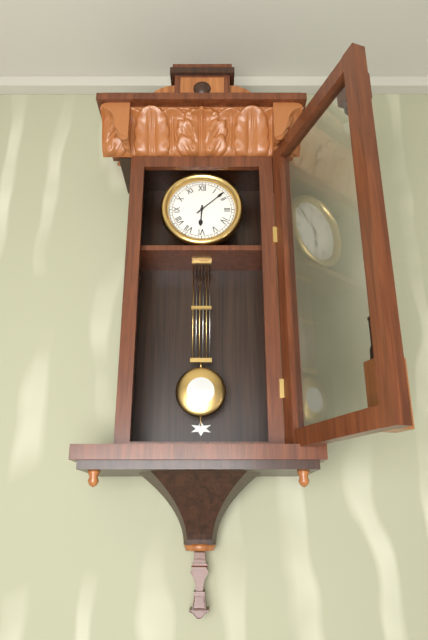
**6:08**
